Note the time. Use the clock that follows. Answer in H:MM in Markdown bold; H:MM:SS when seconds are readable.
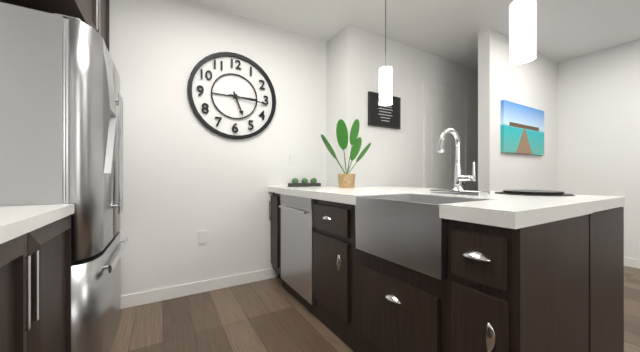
**5:16**
